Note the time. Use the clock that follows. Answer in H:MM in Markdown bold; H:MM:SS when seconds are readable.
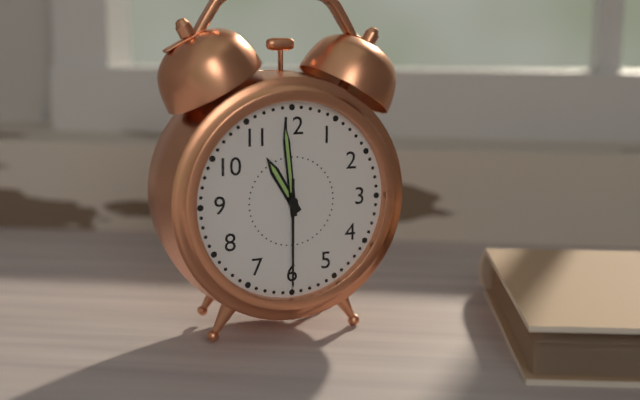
**10:59:30**
